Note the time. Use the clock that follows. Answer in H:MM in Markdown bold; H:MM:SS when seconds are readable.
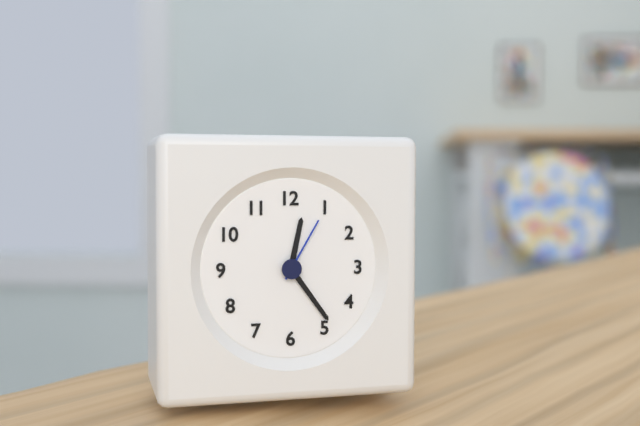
**12:24:05**
